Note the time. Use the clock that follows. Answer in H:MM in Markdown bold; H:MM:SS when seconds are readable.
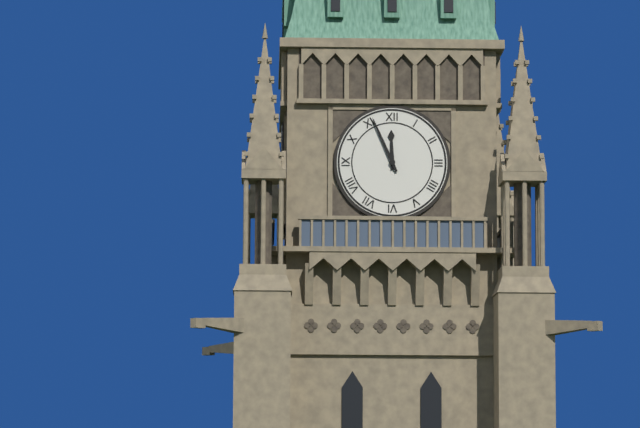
**11:56**
